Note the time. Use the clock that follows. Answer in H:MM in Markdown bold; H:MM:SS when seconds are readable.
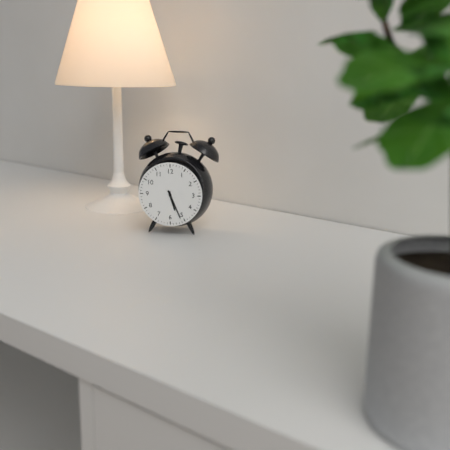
**5:26**
